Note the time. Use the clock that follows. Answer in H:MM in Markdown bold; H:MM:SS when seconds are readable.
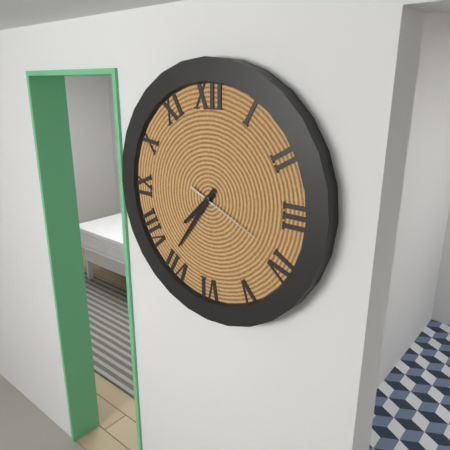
**7:36:19**
